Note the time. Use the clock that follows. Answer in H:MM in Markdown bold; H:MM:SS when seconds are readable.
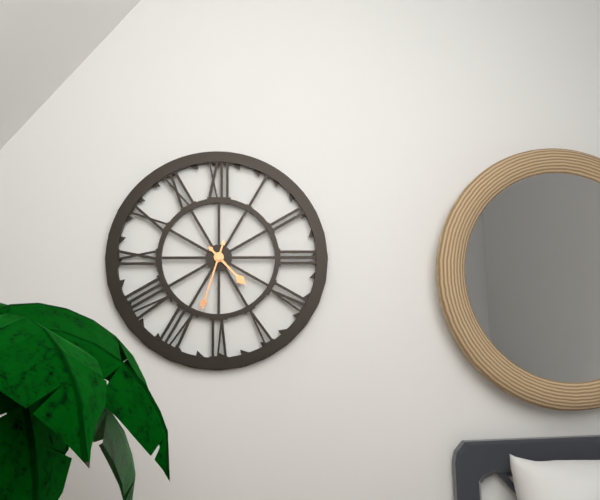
**4:33**
